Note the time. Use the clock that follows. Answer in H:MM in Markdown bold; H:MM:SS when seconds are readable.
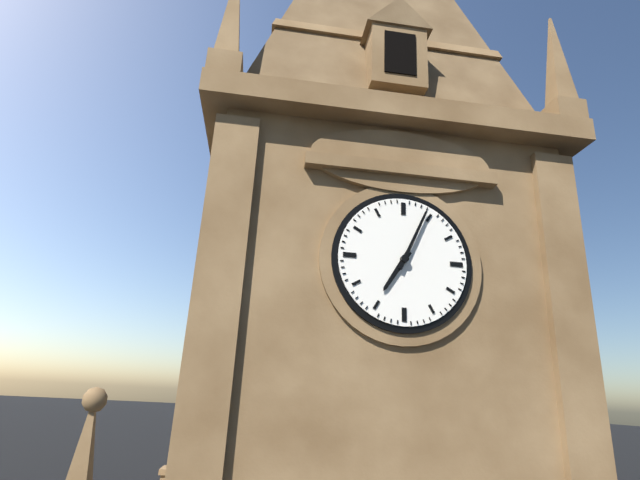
**7:04**
